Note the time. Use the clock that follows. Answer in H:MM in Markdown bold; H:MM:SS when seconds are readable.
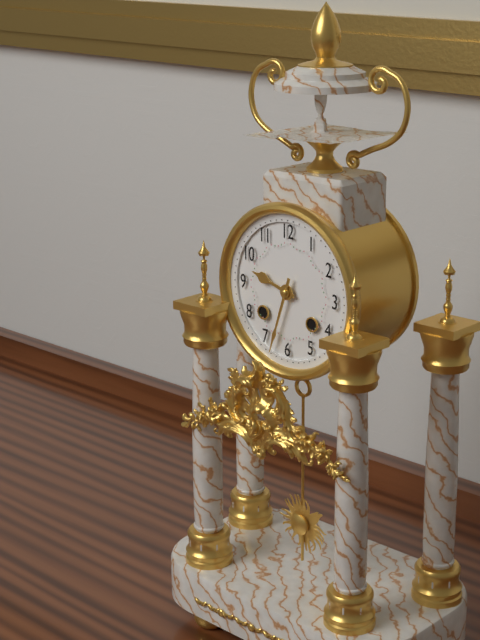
**9:33**
